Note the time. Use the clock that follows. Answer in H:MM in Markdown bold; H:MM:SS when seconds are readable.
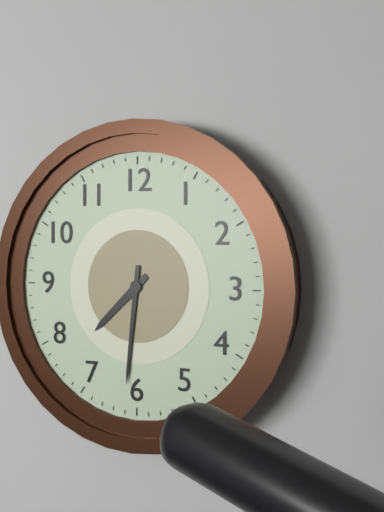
**7:31**
